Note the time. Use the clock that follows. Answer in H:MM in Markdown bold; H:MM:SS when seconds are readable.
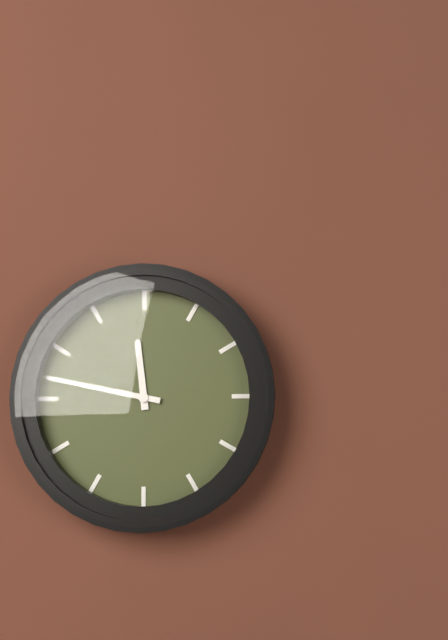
**11:47**
